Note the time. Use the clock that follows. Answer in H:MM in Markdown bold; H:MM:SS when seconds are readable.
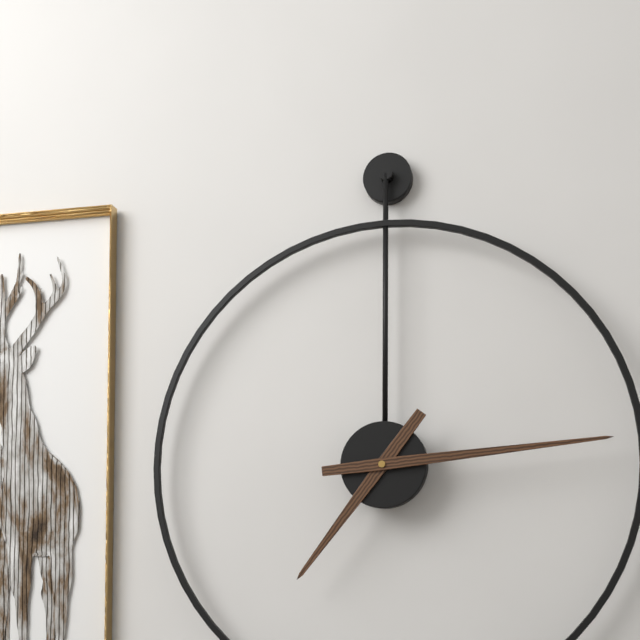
**7:14**
